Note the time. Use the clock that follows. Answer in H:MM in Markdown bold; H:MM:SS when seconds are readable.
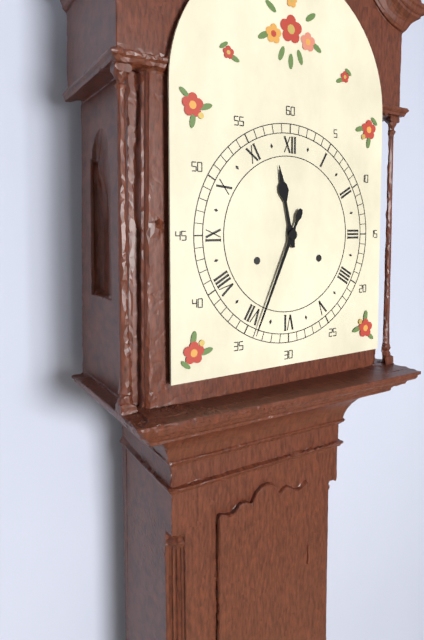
**11:34**
